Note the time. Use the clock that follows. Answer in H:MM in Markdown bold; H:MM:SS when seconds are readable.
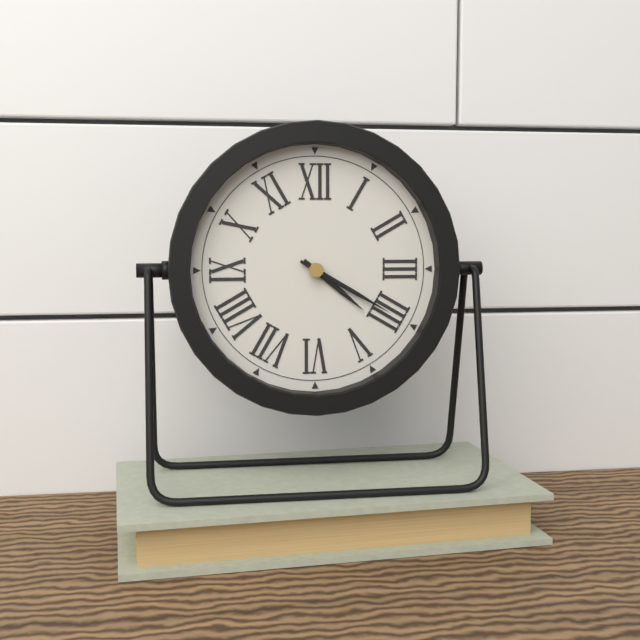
**4:20**
